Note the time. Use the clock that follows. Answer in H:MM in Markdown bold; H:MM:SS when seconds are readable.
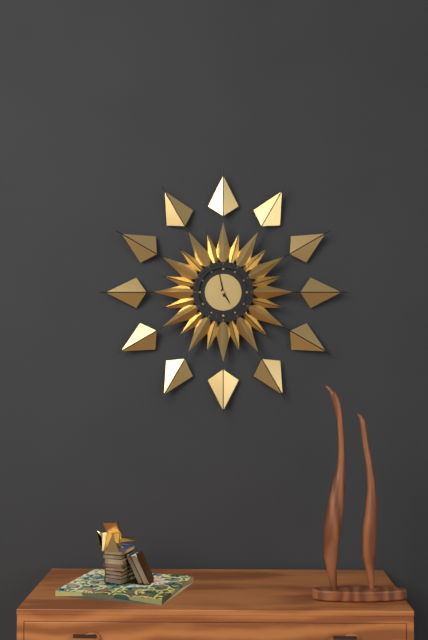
**4:58**
